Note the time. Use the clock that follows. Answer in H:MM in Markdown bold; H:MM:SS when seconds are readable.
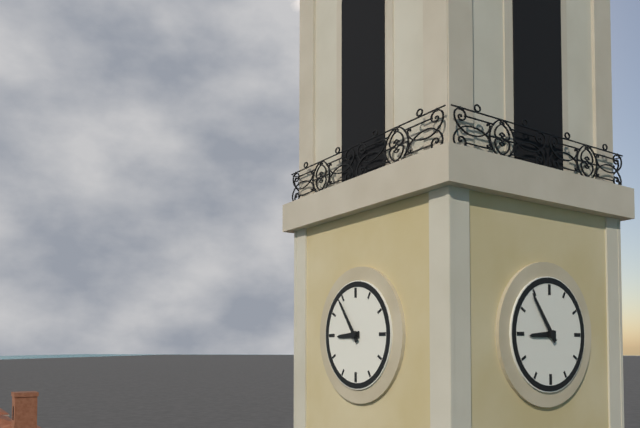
**8:54**
